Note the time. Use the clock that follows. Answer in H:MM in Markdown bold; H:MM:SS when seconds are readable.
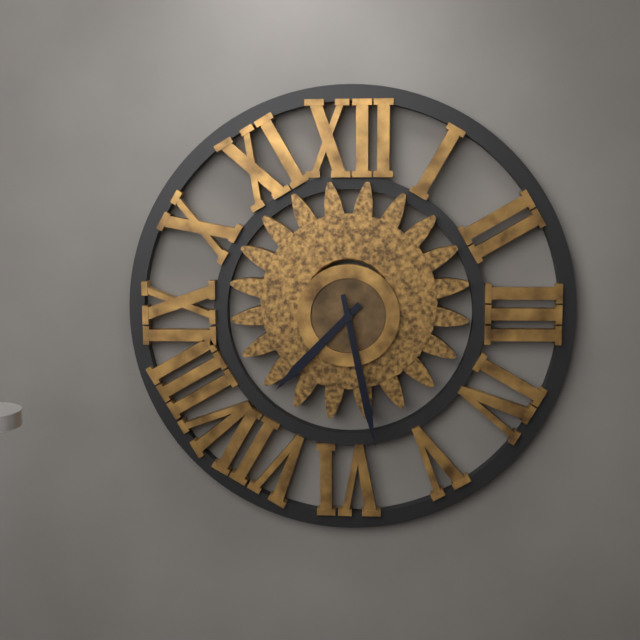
**7:28**
